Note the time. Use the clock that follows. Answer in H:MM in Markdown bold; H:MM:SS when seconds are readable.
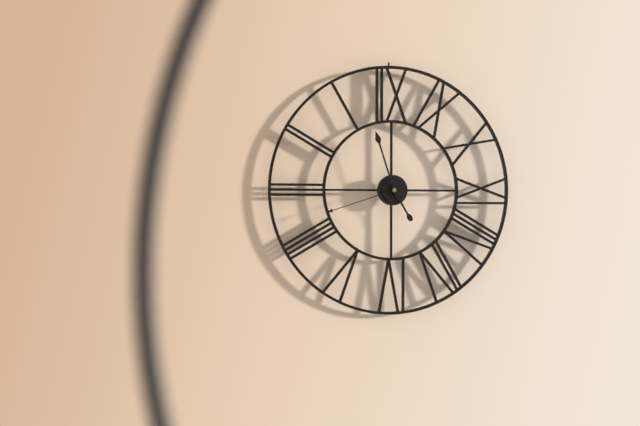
**4:57:42**
